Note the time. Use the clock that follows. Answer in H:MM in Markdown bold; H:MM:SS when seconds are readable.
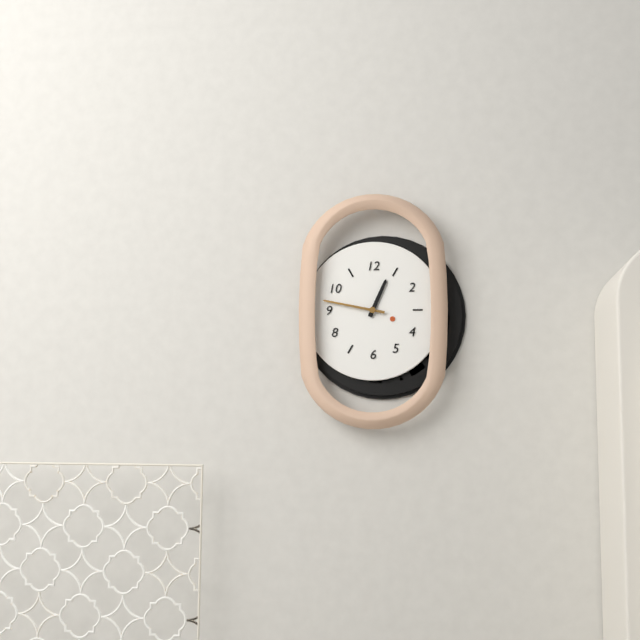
**12:47**
